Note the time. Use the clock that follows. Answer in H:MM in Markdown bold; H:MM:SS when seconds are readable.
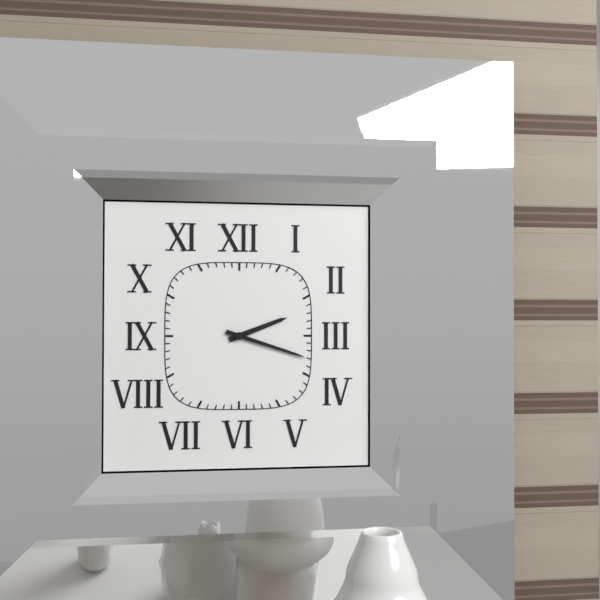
**2:18**
